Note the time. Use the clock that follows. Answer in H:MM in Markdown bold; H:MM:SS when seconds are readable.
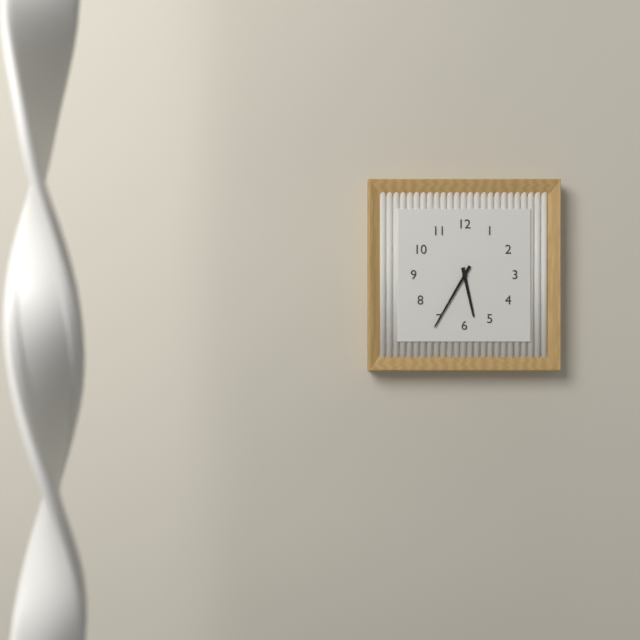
**5:35**
